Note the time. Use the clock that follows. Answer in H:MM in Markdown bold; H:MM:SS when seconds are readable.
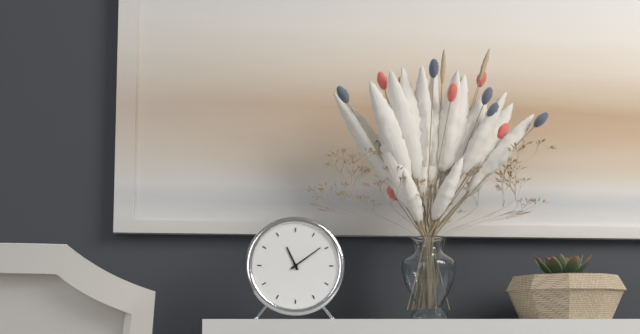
**11:09**
